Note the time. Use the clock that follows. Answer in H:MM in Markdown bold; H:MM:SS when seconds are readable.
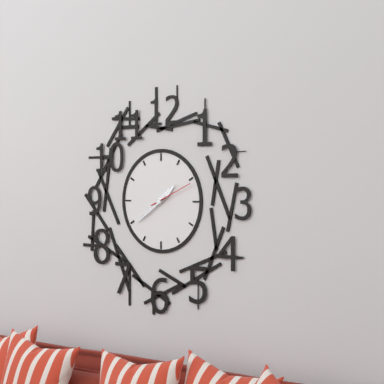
**1:39**
